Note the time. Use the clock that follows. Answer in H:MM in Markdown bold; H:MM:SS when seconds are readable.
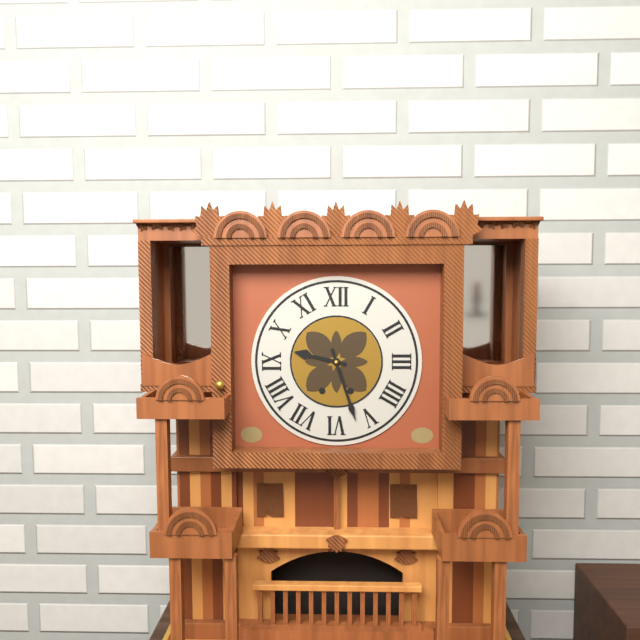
**9:27**
